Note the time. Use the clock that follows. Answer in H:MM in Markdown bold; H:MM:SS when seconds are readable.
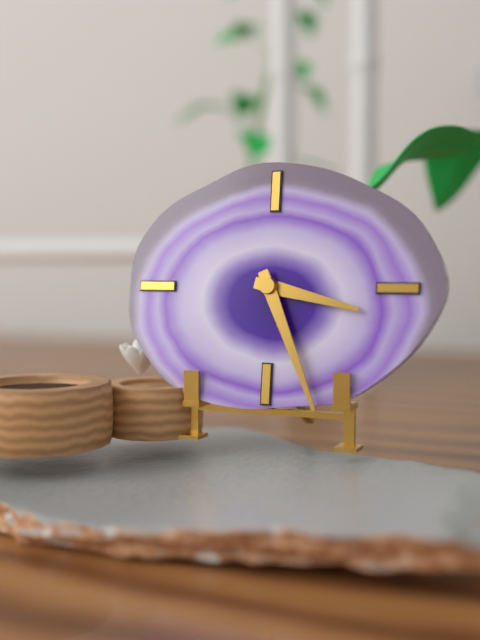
**3:26**
